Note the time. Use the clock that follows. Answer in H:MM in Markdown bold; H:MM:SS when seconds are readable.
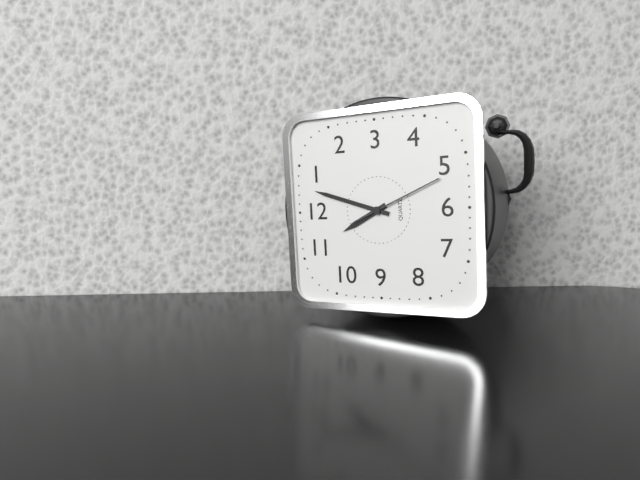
**11:03:26**
